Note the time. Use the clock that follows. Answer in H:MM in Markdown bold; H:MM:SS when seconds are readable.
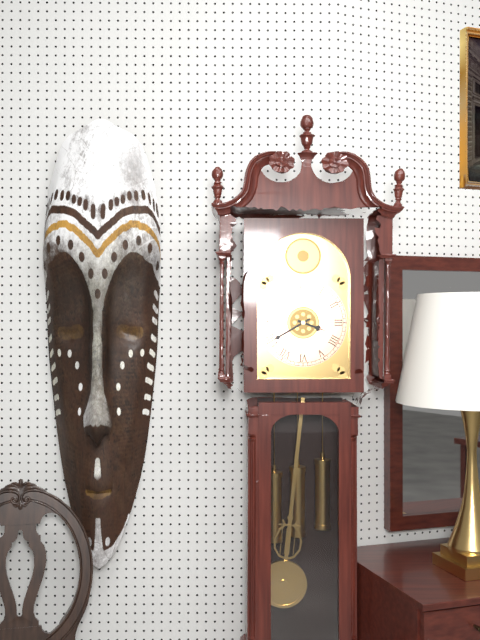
**3:40**
